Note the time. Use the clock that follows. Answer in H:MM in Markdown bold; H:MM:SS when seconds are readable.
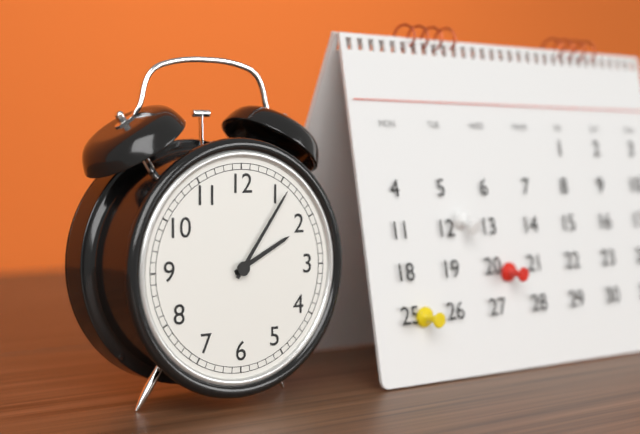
**2:06**
